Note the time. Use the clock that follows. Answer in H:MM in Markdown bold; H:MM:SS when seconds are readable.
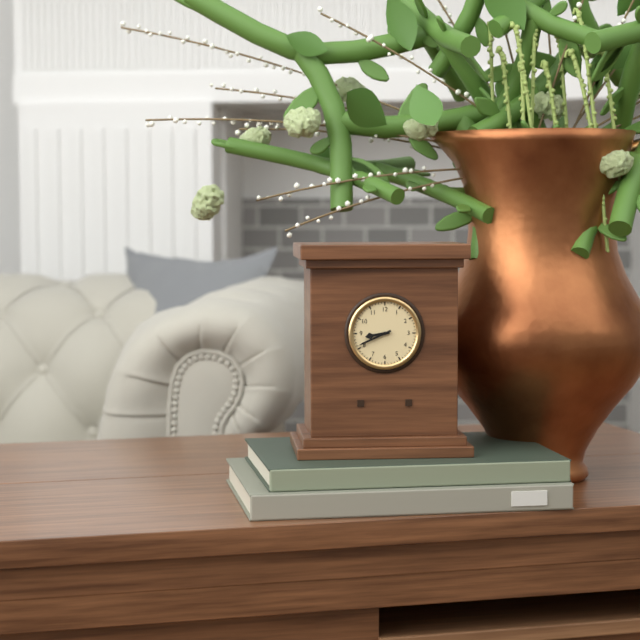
**8:41**
